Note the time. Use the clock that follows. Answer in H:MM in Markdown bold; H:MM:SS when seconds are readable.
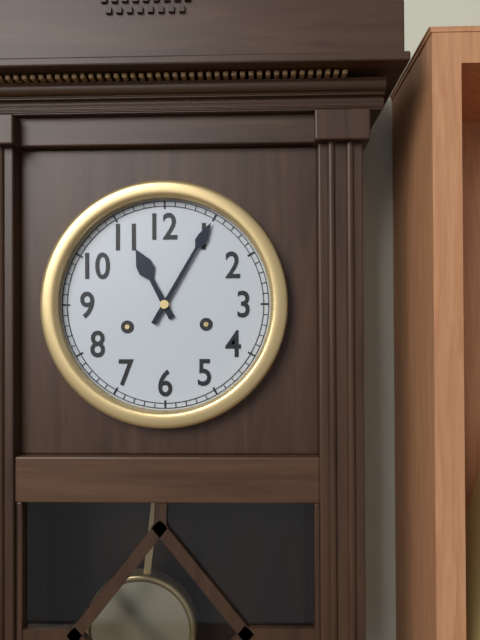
**11:05**
